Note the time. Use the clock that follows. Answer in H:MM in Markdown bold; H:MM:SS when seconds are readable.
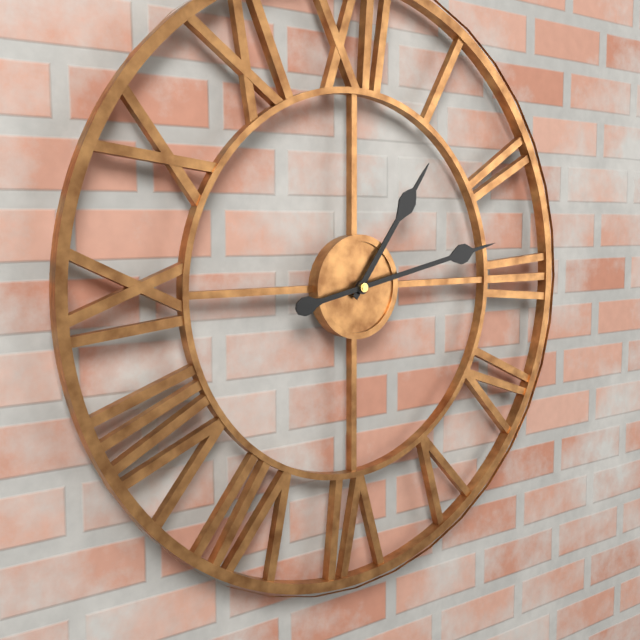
**1:13**
